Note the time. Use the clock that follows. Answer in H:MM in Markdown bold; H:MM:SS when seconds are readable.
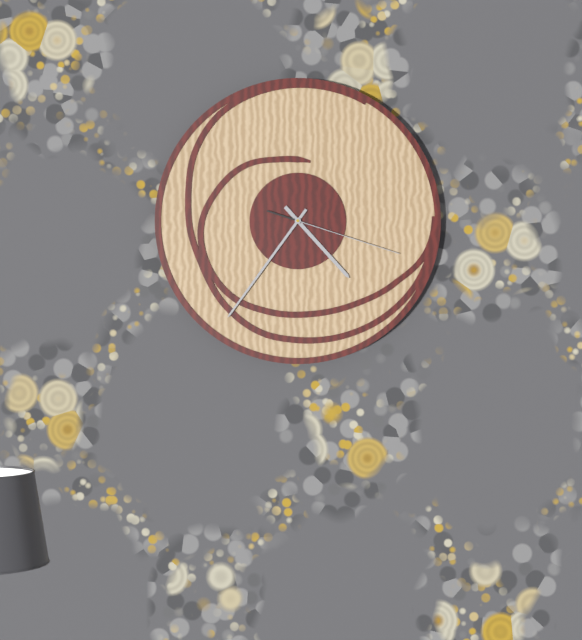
**4:36:18**
